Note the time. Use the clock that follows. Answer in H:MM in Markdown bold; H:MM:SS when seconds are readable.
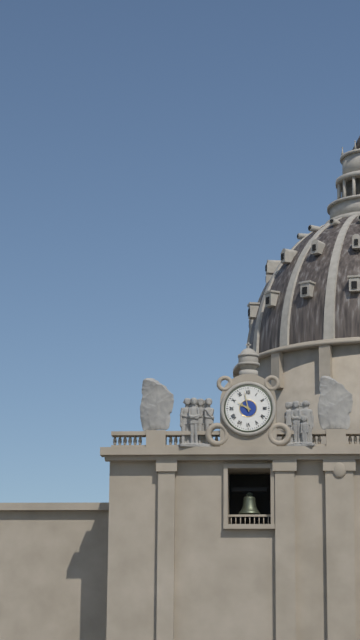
**9:58**
